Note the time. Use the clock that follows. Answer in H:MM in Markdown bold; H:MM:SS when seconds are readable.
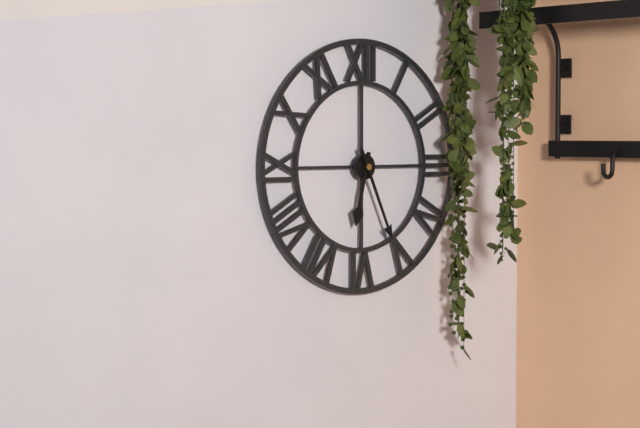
**6:26**
